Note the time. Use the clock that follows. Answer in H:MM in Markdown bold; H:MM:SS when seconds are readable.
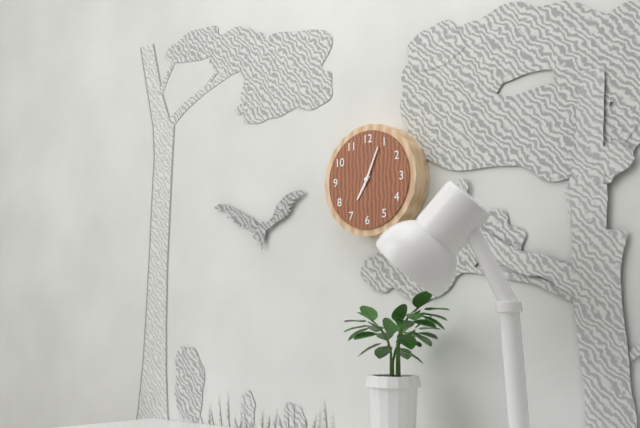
**7:04**
